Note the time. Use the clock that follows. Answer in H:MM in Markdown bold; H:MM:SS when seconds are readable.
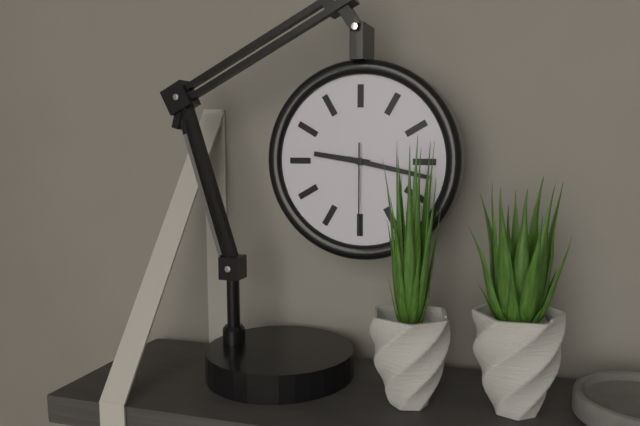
**9:17:30**
